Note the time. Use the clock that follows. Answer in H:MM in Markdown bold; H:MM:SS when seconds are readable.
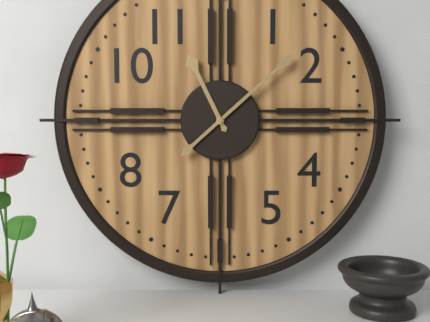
**11:08**
